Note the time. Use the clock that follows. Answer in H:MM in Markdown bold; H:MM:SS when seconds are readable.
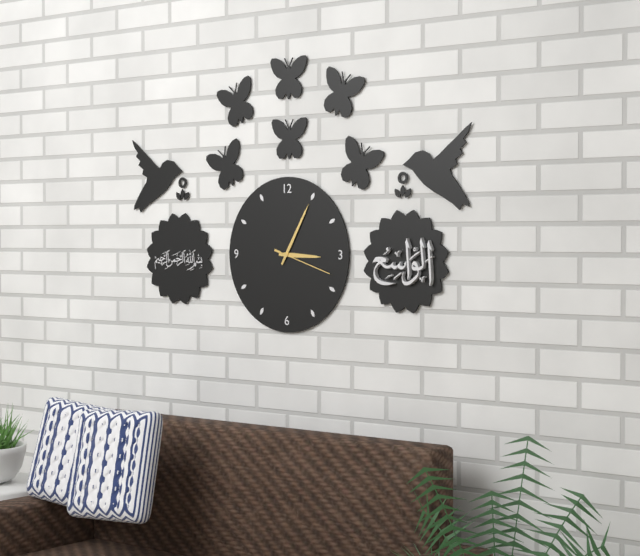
**3:05:18**
